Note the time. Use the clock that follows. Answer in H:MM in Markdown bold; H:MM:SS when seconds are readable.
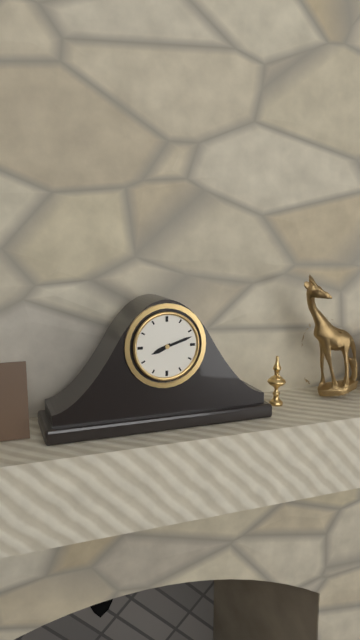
**8:12**
